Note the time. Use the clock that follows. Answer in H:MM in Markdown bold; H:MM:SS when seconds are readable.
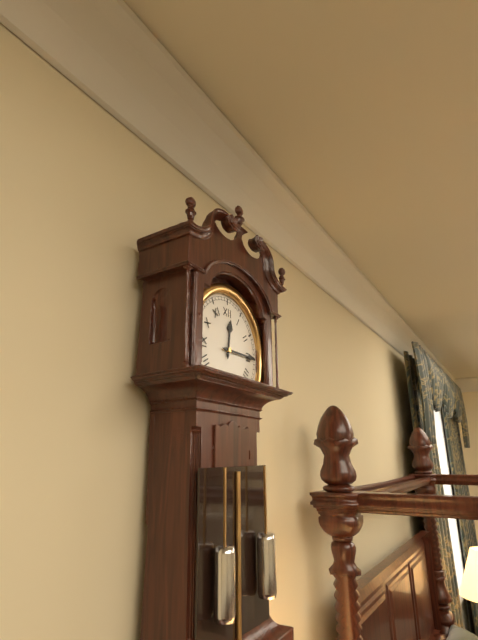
**12:15**
